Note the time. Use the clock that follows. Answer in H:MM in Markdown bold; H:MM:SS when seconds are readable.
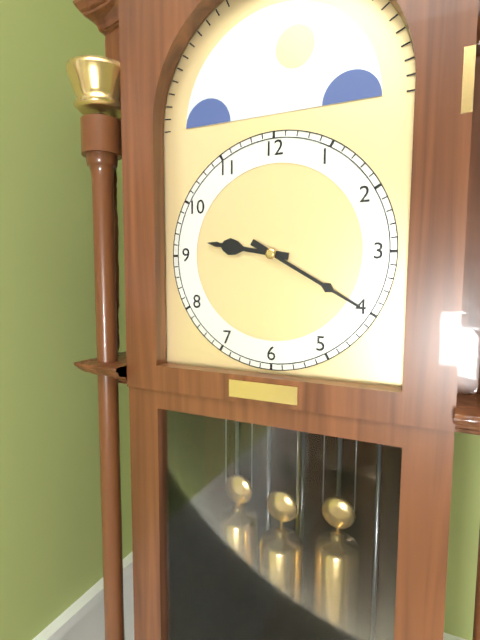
**9:20**
